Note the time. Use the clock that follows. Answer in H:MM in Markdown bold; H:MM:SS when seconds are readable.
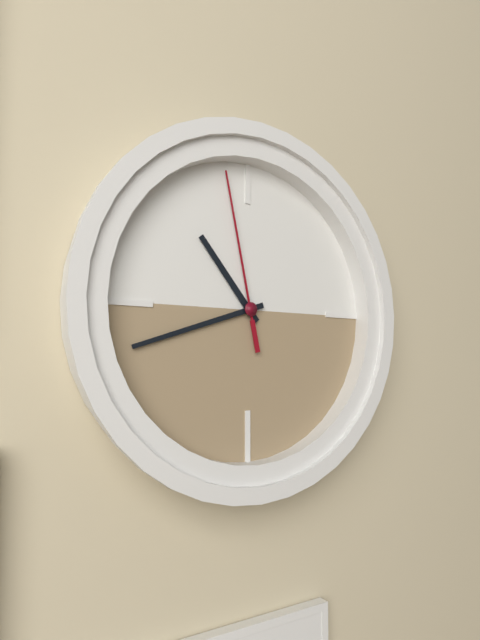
**10:42:58**
